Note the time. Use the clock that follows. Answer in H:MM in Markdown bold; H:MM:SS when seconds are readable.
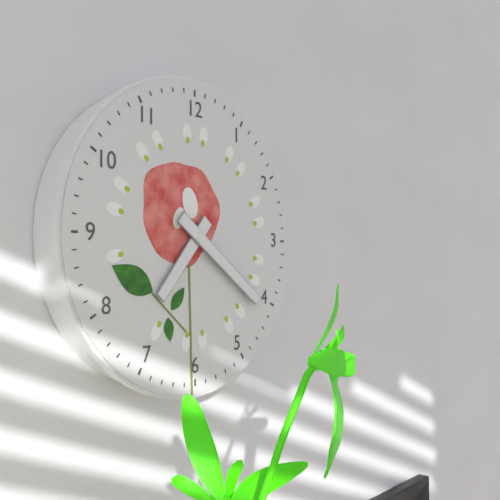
**7:21**
